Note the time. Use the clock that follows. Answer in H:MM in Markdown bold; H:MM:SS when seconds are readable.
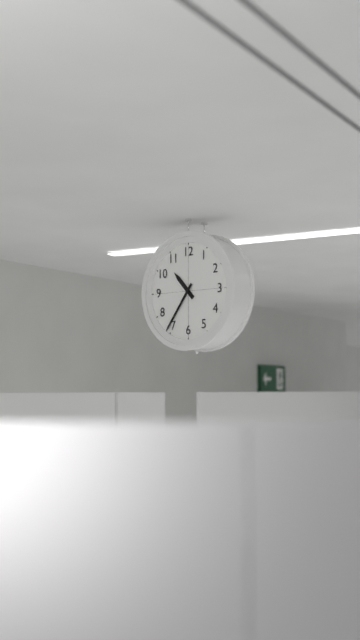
**10:36**
